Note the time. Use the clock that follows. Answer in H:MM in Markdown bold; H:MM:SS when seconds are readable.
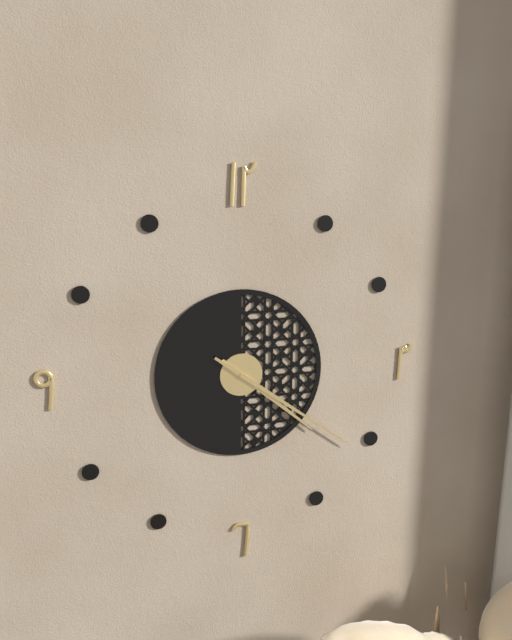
**4:21**
